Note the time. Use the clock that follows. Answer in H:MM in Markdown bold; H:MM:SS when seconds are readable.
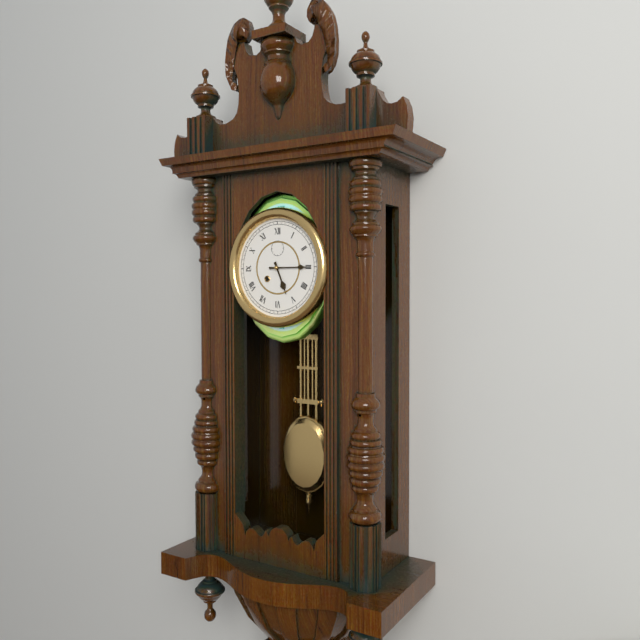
**5:15**
